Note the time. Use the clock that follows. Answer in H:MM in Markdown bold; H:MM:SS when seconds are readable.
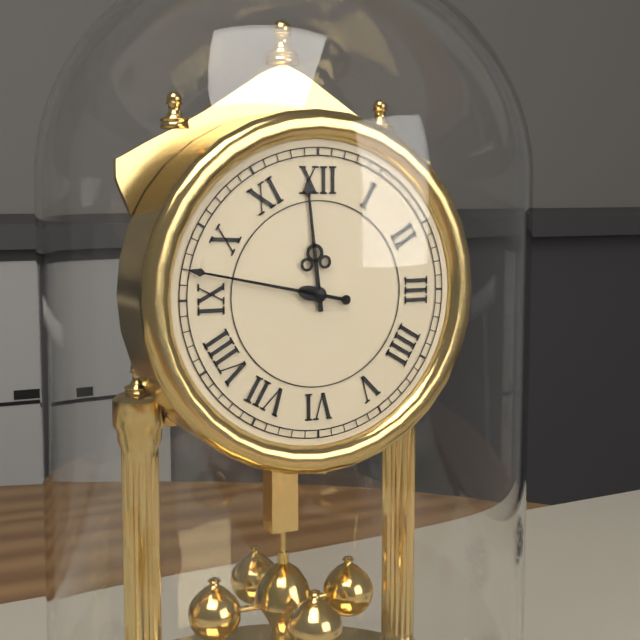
**11:47**
